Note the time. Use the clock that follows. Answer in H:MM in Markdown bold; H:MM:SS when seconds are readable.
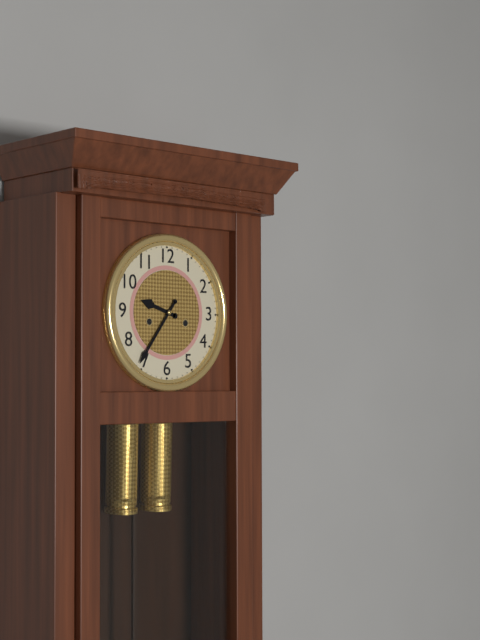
**9:36**
